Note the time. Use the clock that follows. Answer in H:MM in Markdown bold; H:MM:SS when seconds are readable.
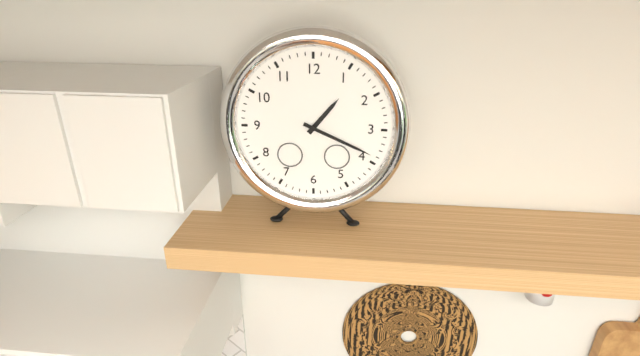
**1:19**
